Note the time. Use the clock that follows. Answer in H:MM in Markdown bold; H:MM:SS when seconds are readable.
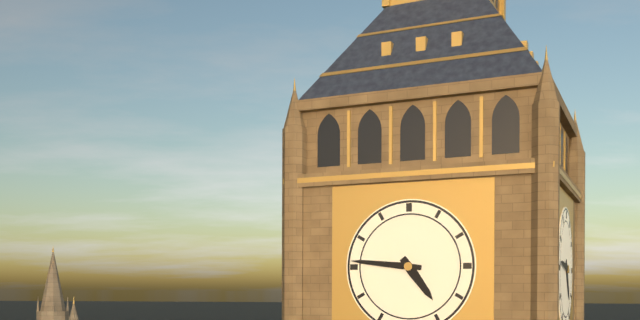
**4:46**
